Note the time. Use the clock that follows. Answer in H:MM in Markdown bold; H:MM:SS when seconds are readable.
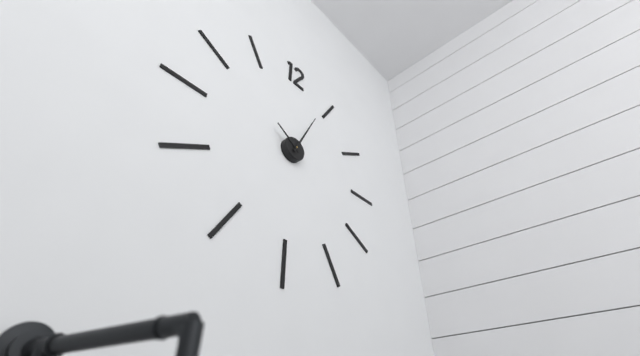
**10:04**
